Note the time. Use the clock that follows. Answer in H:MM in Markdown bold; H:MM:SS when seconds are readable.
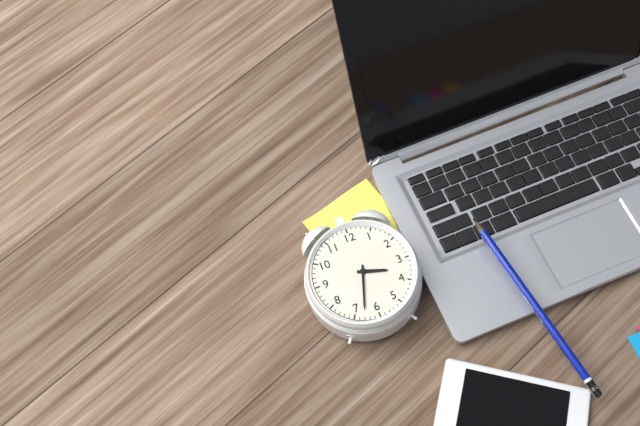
**3:33**
